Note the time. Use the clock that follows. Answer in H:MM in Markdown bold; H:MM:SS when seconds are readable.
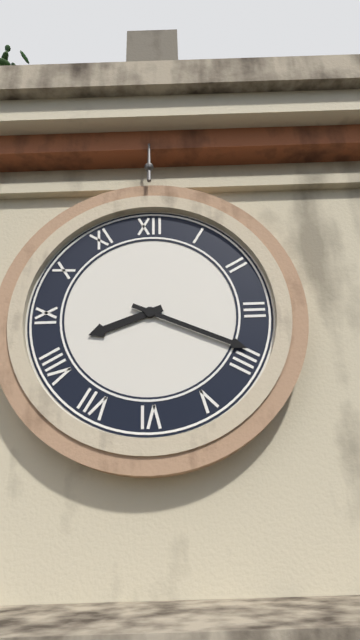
**8:19**
